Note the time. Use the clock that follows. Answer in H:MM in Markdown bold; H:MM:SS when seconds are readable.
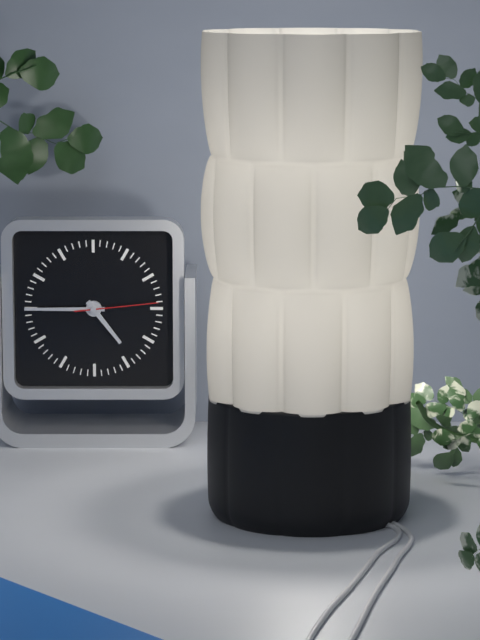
**4:45:14**
